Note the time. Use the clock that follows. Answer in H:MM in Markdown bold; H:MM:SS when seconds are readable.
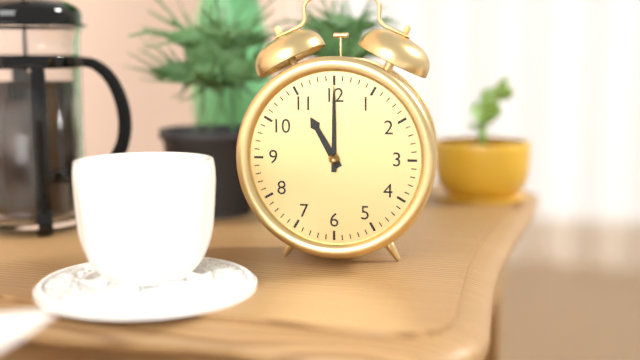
**11:00**
